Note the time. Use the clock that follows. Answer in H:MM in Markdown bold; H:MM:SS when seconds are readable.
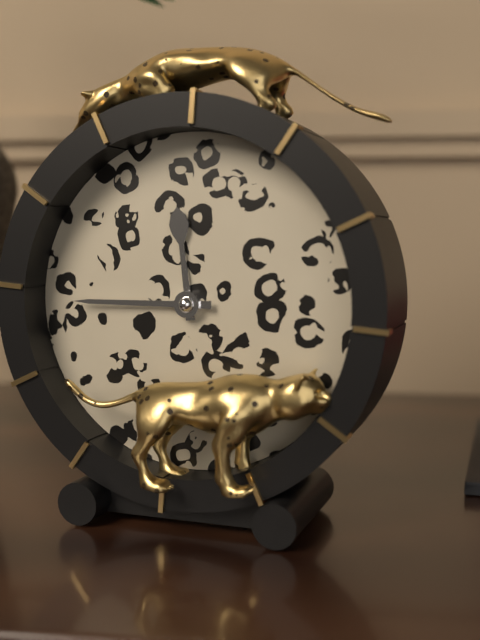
**11:45**
